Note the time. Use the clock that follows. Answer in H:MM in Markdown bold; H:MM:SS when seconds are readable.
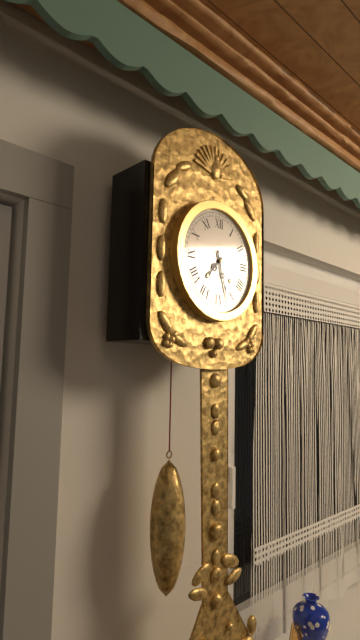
**7:27**
